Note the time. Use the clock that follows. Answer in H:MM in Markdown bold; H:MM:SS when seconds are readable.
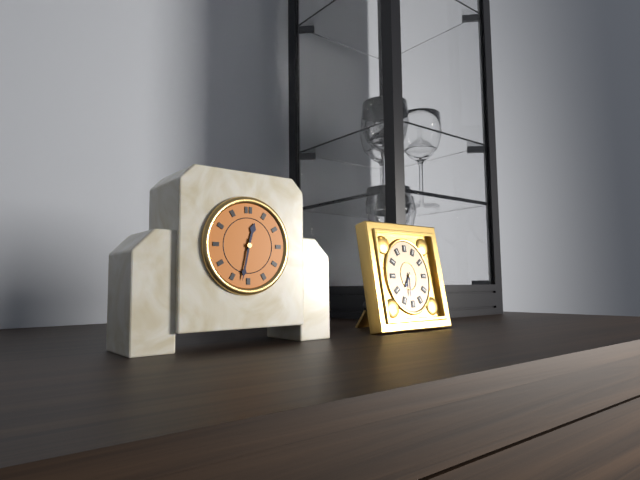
**12:32**
